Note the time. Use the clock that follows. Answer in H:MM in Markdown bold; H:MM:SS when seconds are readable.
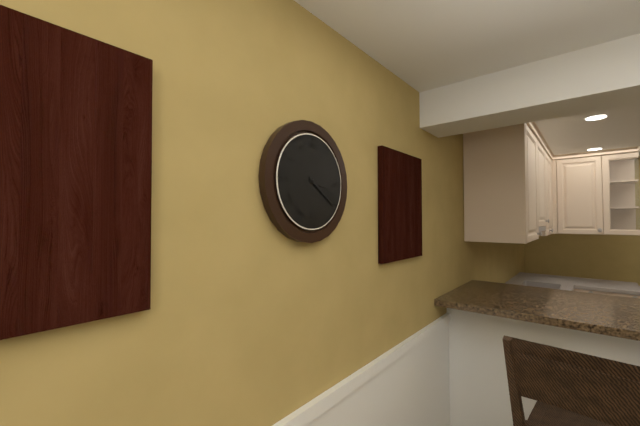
**3:21**
